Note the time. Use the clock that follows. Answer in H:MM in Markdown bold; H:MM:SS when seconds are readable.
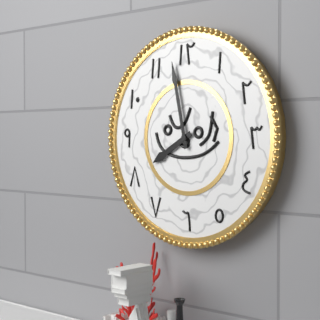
**7:58**
